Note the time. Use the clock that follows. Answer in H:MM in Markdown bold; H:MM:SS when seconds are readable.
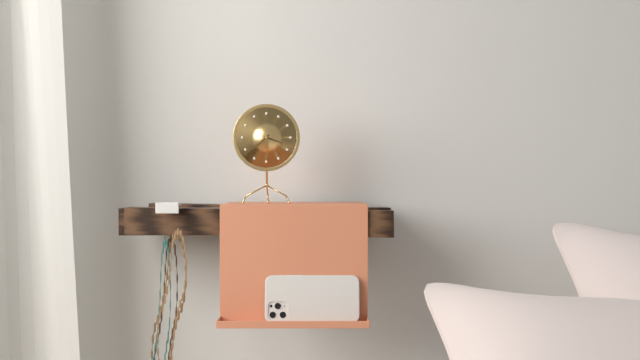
**3:38**
